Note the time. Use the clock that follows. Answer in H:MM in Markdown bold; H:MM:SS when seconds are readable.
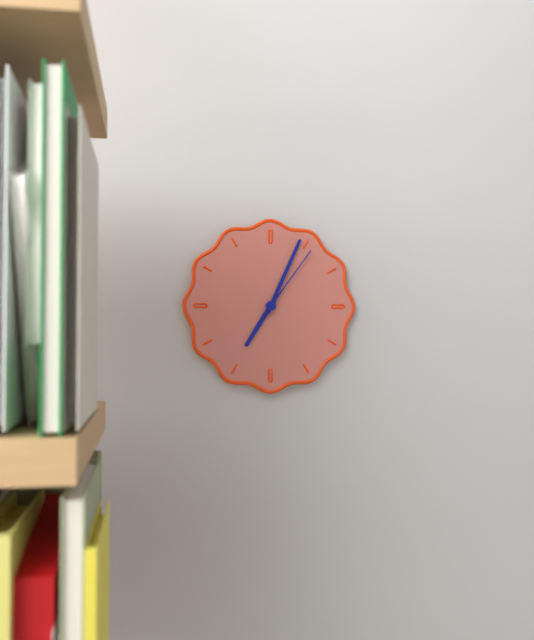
**7:04:06**
